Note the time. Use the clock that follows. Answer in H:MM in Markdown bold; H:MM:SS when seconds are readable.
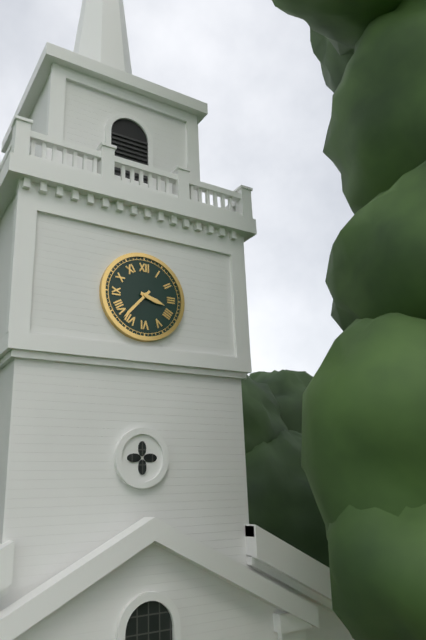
**3:37**
